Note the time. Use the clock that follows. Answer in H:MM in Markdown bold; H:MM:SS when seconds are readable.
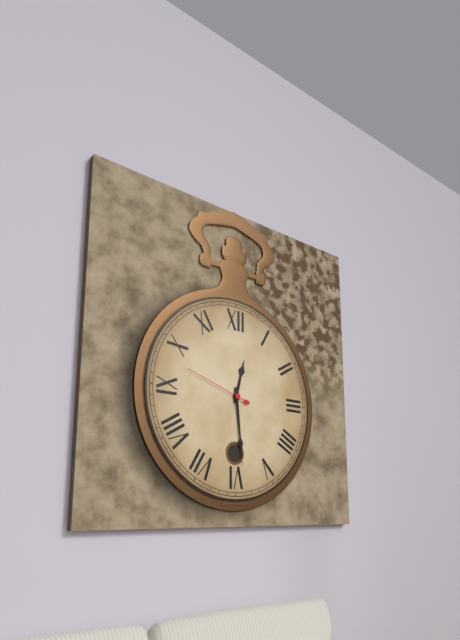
**12:29:48**
